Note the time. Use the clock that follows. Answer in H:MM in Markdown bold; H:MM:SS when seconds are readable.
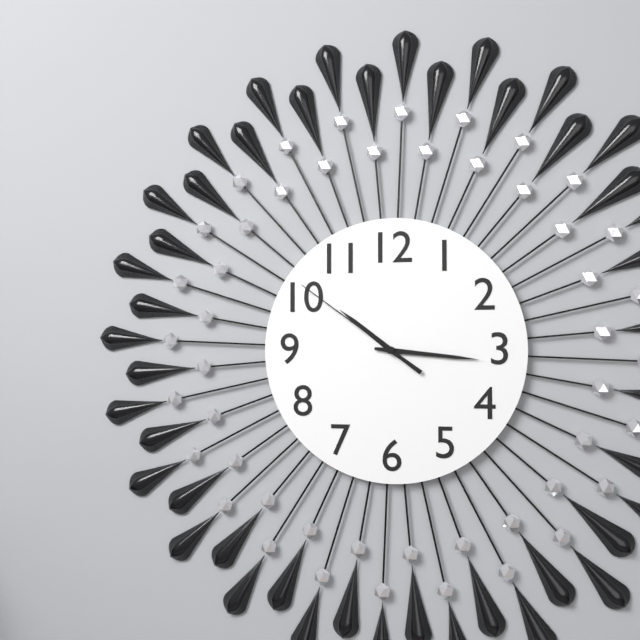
**10:16:51**
